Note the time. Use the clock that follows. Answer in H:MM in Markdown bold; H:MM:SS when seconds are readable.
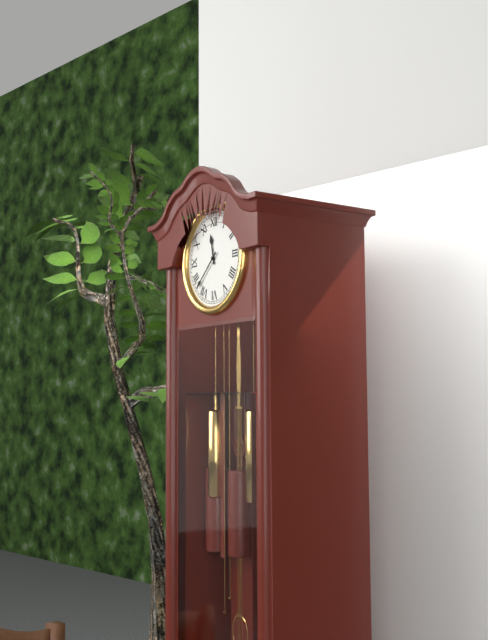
**11:38**
